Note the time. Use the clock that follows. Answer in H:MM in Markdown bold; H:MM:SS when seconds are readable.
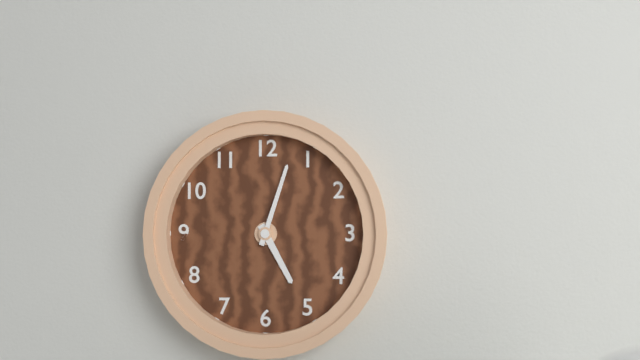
**5:03**
